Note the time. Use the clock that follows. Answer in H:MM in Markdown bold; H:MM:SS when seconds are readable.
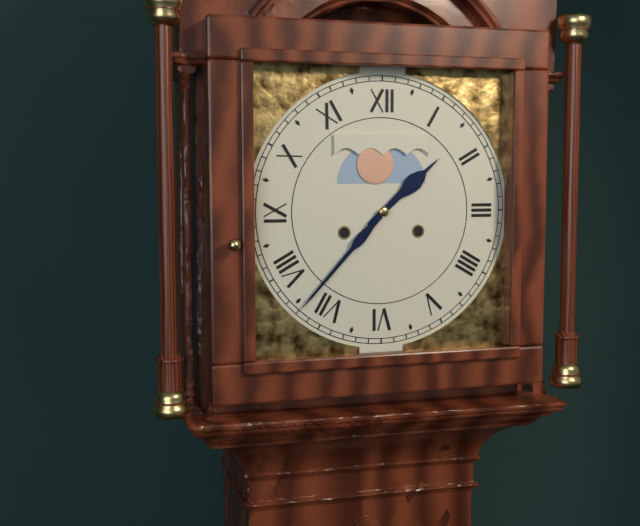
**1:37**
